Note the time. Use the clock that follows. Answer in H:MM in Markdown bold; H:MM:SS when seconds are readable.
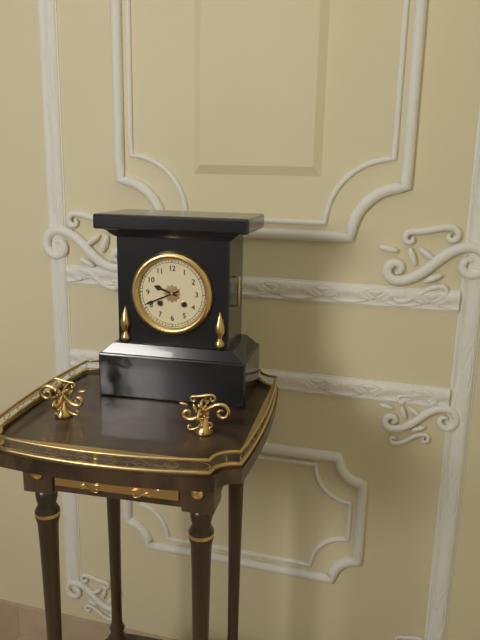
**9:41**
